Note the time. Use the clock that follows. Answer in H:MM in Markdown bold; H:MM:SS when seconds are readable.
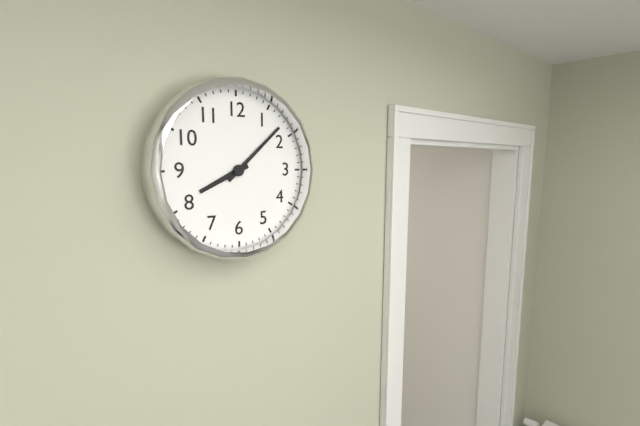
**8:08**
